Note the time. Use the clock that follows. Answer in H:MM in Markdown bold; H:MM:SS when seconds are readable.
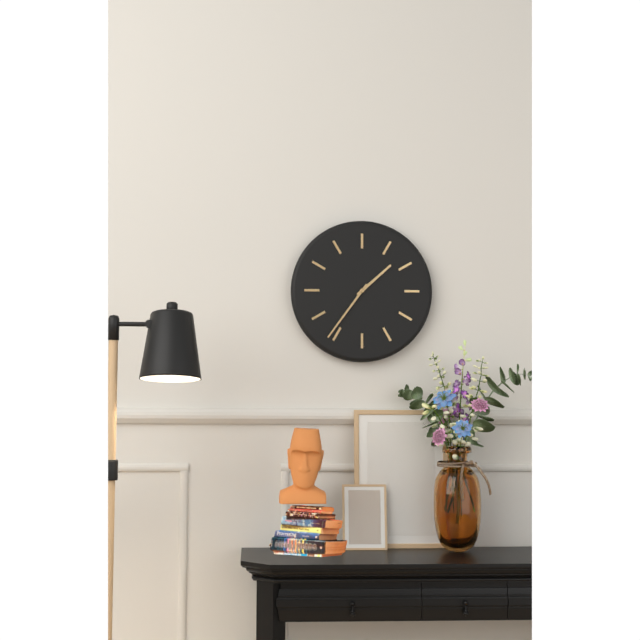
**1:36**
